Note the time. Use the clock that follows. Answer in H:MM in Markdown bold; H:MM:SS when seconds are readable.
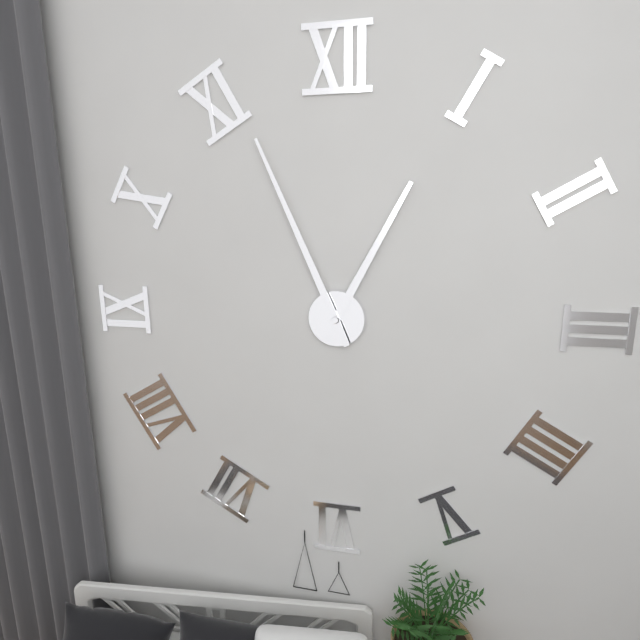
**12:56**
